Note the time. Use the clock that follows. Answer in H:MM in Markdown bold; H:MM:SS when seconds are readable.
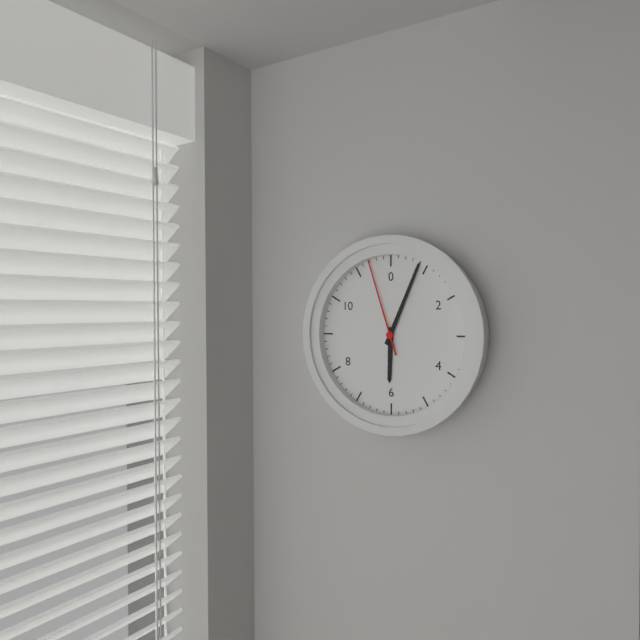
**6:04:57**
